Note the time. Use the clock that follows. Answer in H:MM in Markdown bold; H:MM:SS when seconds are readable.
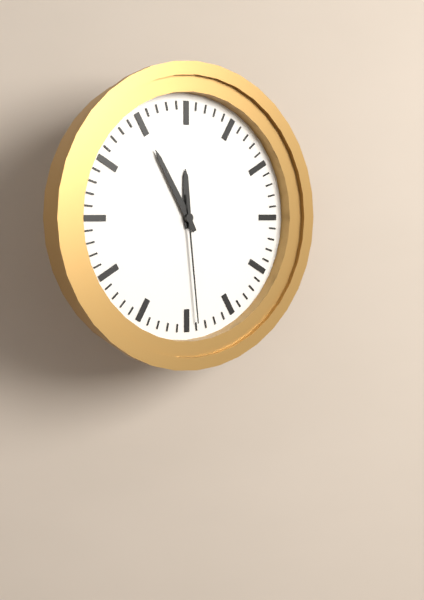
**11:55:29**
